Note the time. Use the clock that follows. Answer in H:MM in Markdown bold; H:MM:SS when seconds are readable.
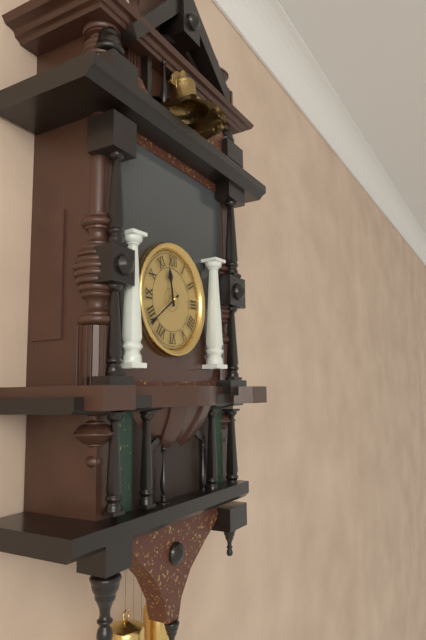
**11:39**
